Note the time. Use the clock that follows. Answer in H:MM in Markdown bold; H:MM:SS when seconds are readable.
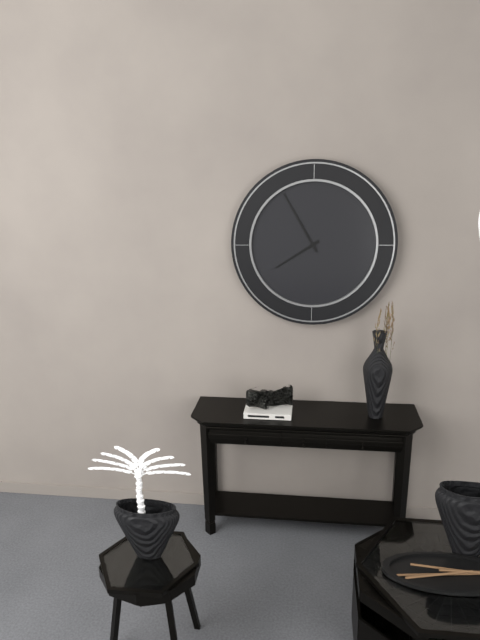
**7:55**
